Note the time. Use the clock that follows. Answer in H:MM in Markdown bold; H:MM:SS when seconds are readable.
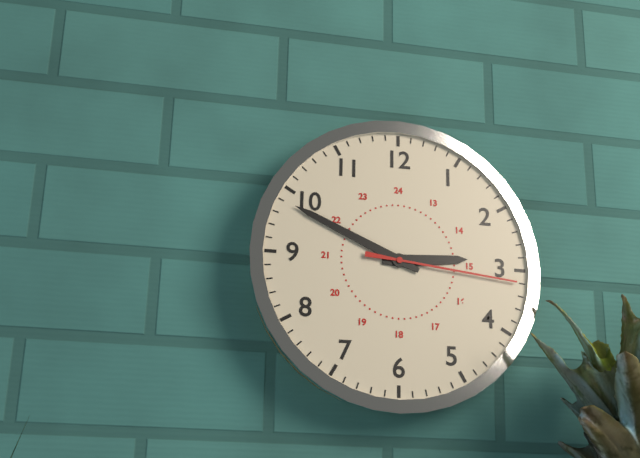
**2:49:16**
